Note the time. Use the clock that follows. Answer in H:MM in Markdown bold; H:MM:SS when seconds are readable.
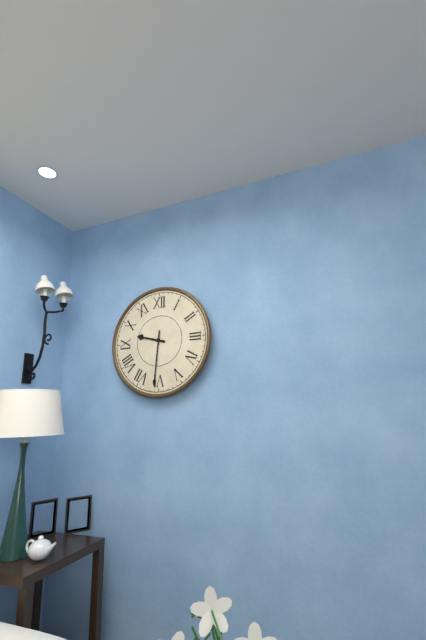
**9:31**
